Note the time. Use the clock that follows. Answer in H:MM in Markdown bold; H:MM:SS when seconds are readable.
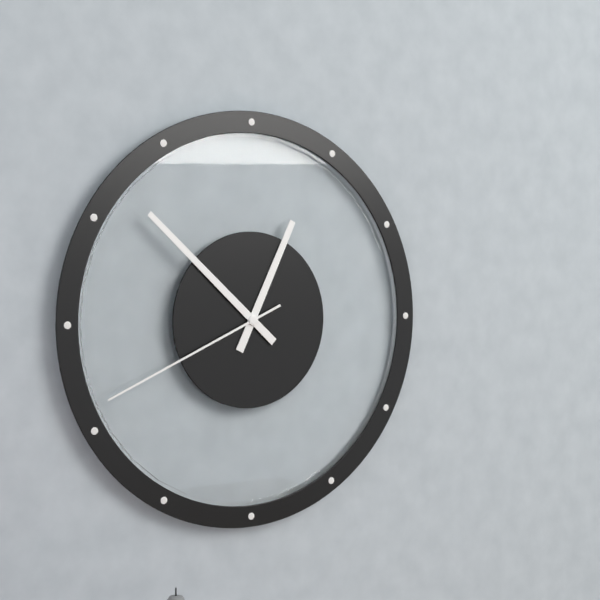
**12:52:41**
